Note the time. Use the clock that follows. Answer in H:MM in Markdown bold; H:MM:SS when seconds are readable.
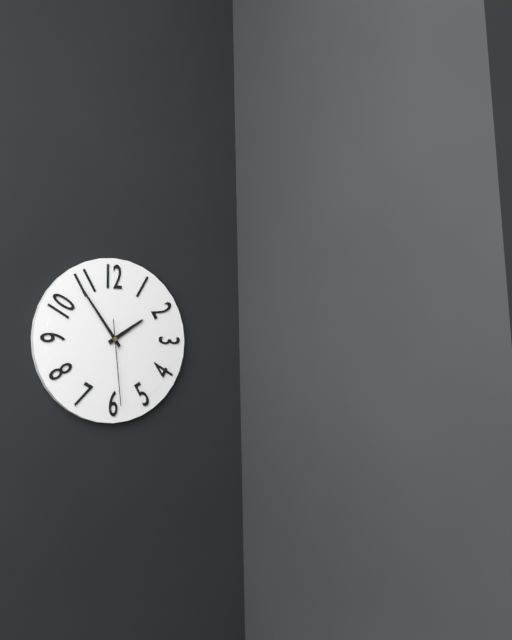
**1:54:29**
